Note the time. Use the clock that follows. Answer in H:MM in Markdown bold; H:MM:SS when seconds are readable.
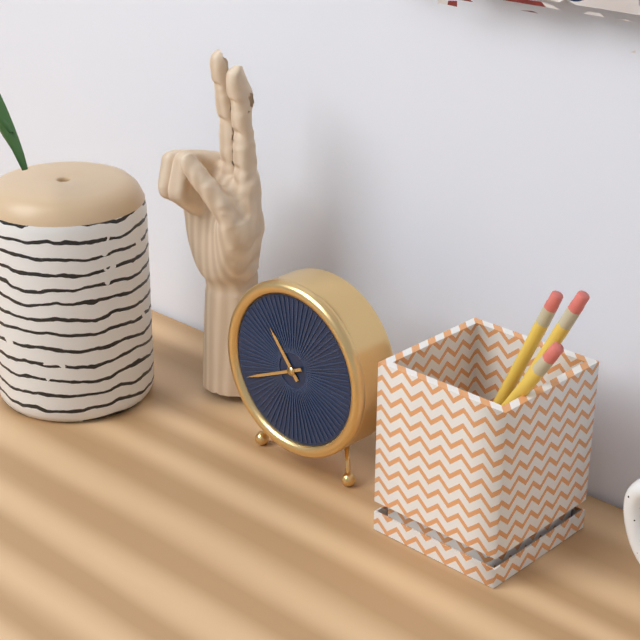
**10:41**
